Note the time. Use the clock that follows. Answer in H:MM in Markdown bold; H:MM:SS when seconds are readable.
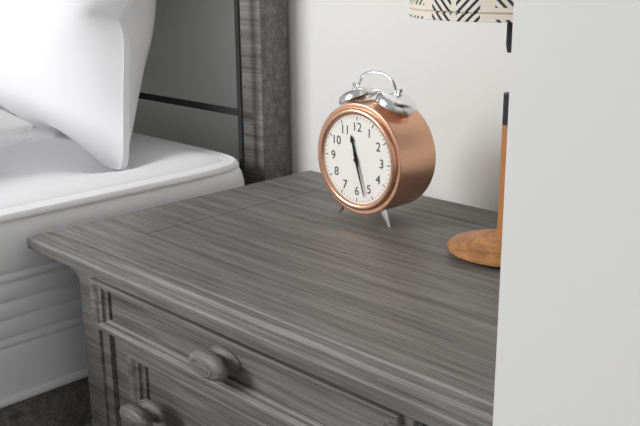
**11:27**
